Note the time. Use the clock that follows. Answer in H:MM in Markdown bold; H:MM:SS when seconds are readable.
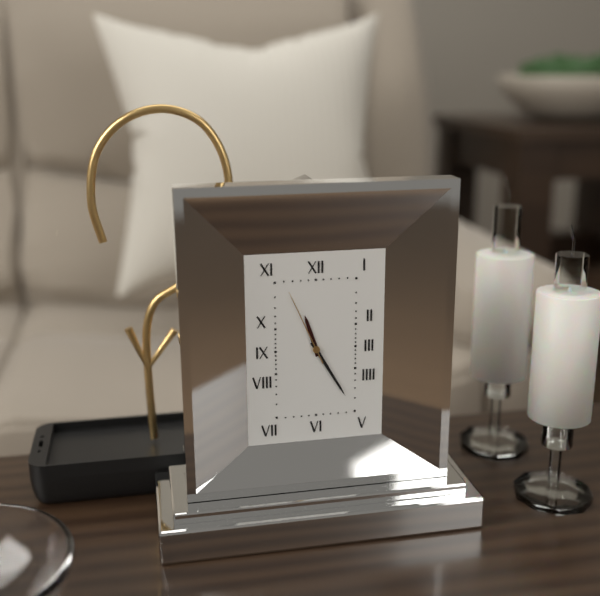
**11:25:56**
